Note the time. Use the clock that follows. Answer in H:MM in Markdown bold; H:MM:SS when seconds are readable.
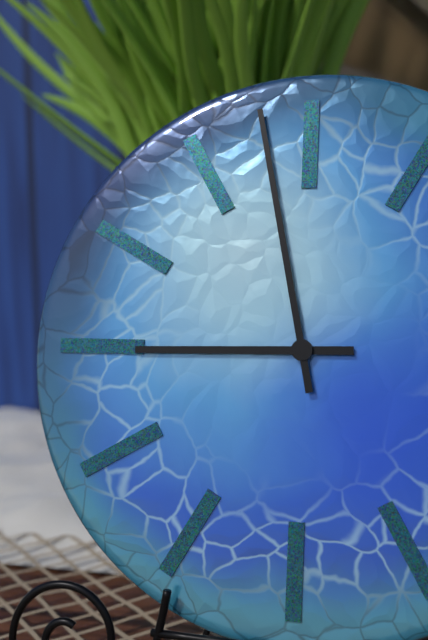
**8:58**
